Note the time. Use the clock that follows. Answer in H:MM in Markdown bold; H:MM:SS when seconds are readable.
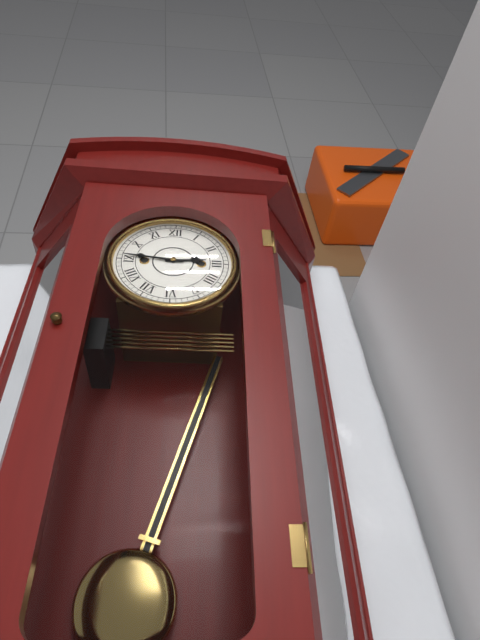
**2:46**
